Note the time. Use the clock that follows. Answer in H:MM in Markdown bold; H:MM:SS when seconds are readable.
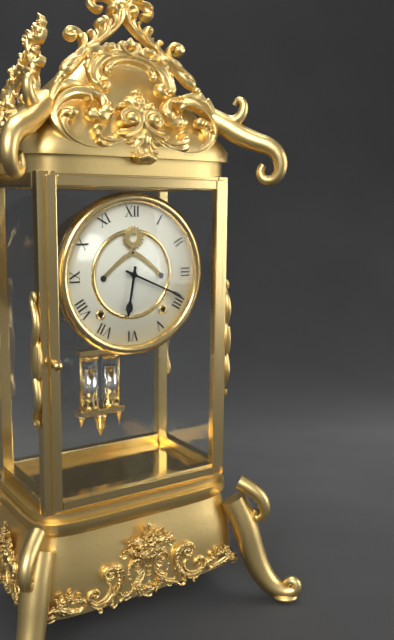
**6:19**
